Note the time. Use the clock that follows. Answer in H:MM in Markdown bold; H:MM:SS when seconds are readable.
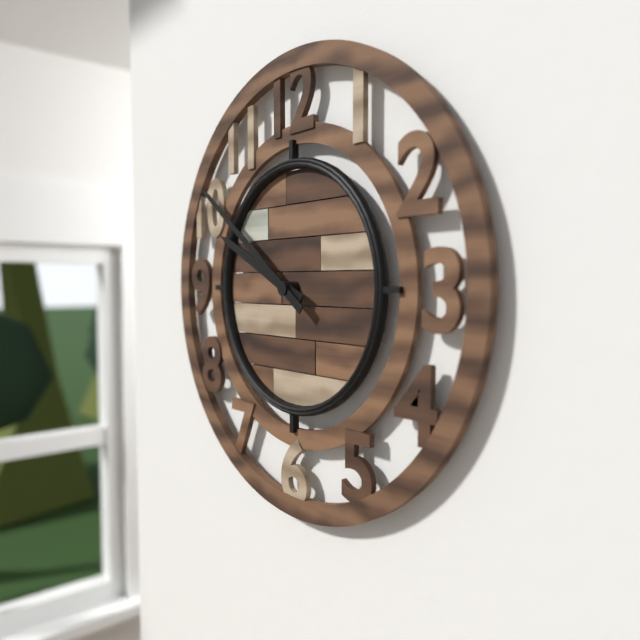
**9:51**
